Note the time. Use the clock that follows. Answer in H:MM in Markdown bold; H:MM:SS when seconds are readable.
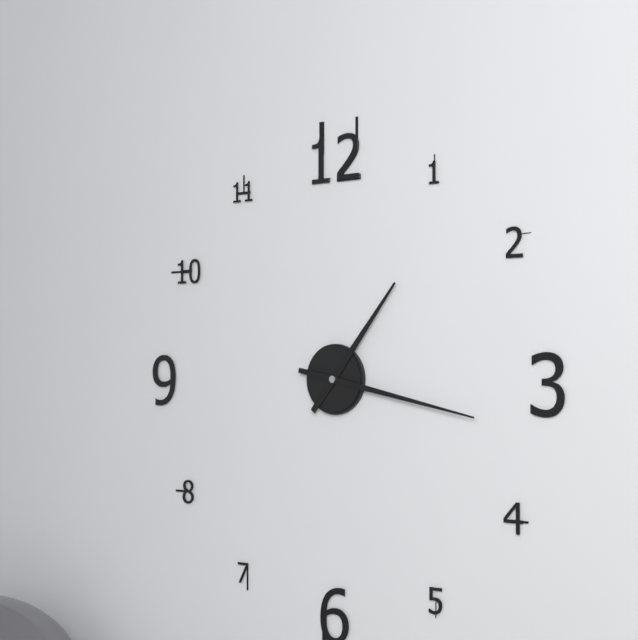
**1:17**
